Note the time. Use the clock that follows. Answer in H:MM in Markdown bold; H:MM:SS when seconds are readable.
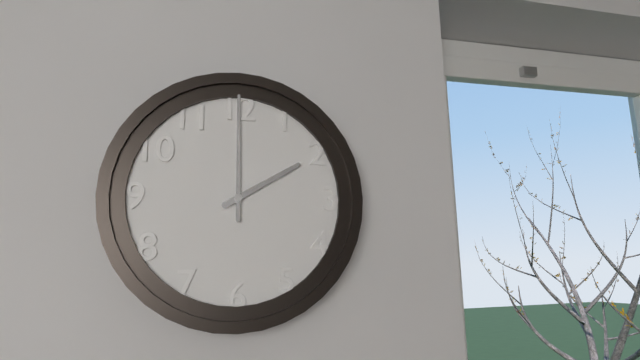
**2:00**
